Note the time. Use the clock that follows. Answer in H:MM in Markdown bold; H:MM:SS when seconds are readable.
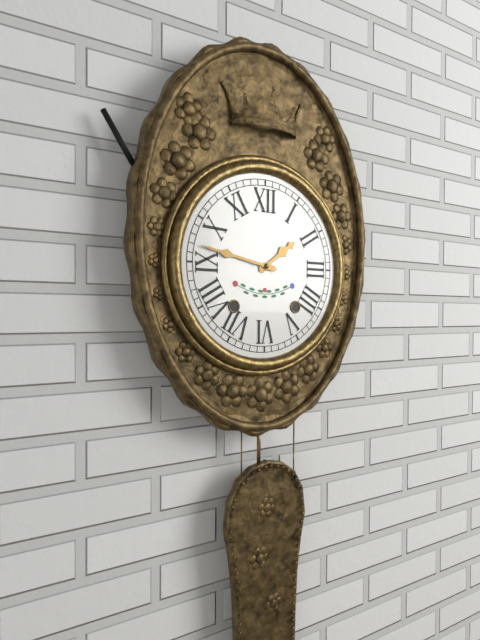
**1:47**
